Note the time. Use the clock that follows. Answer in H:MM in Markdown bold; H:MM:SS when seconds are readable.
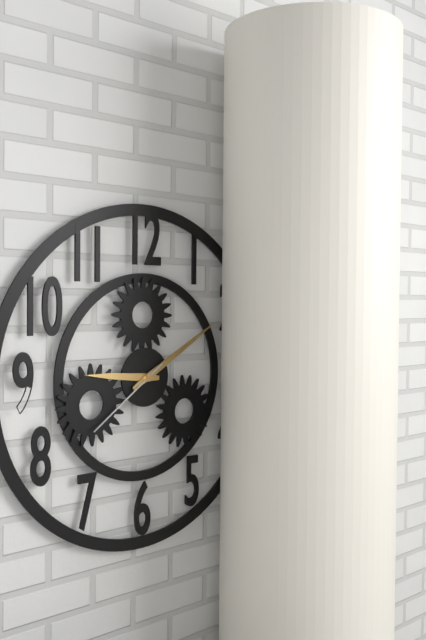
**9:10:39**
